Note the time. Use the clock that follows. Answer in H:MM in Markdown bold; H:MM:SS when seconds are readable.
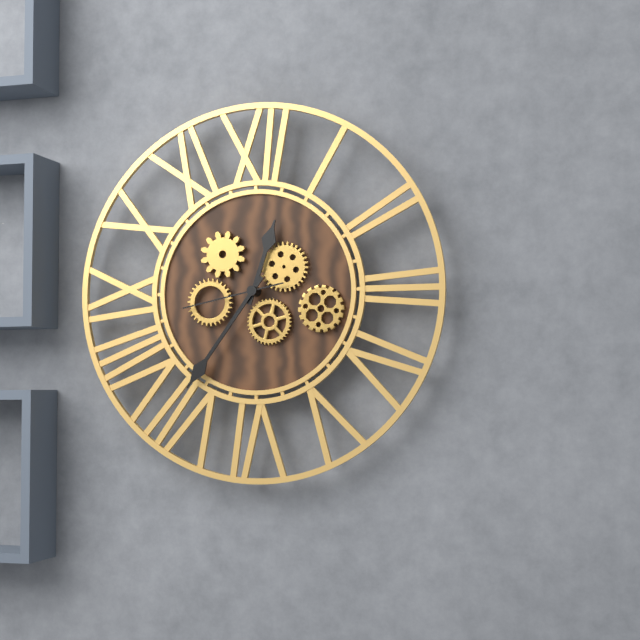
**12:36:43**
